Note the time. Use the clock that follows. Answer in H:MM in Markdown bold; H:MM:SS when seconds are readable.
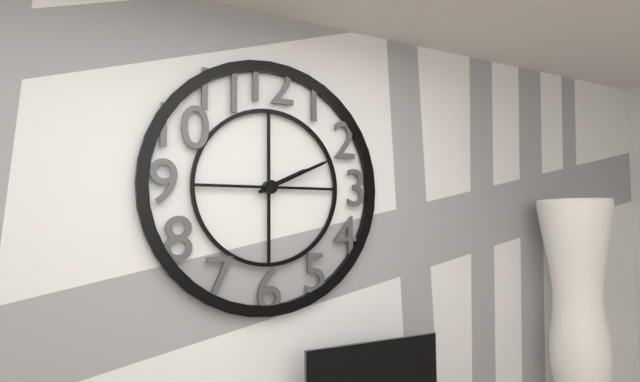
**2:11**
